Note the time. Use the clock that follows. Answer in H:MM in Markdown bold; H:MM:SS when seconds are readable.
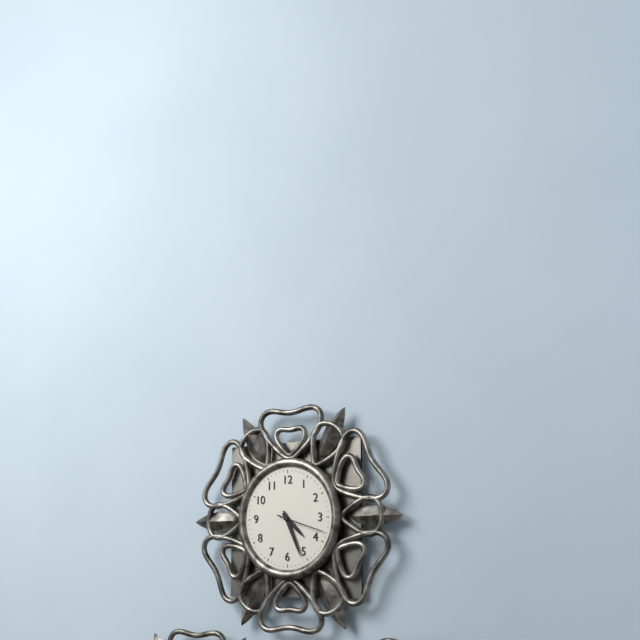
**4:26**
